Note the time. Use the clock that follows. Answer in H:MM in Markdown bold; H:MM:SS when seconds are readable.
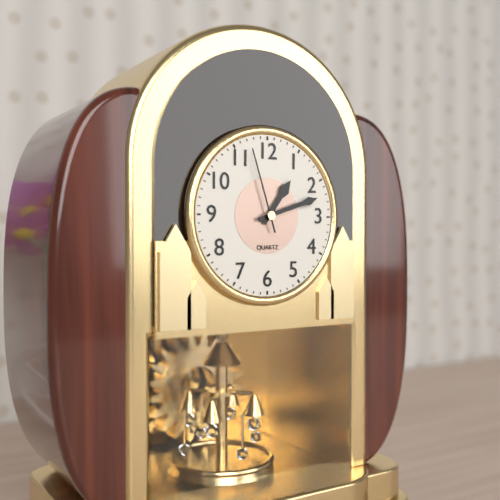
**1:12:57**
